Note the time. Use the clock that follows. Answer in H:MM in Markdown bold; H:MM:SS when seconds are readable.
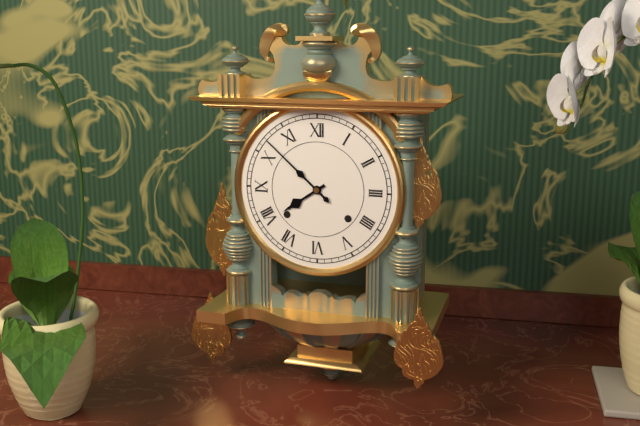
**7:52**
